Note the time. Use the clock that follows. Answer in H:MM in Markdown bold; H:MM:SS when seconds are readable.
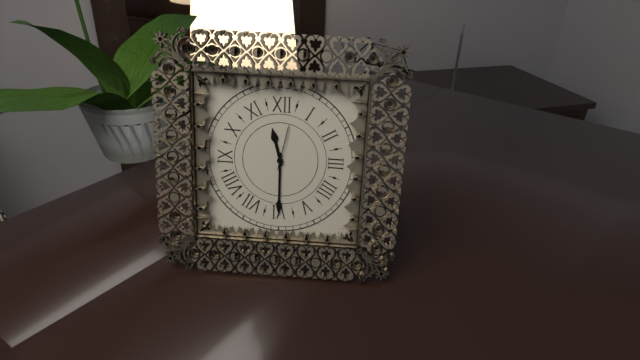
**11:30**
